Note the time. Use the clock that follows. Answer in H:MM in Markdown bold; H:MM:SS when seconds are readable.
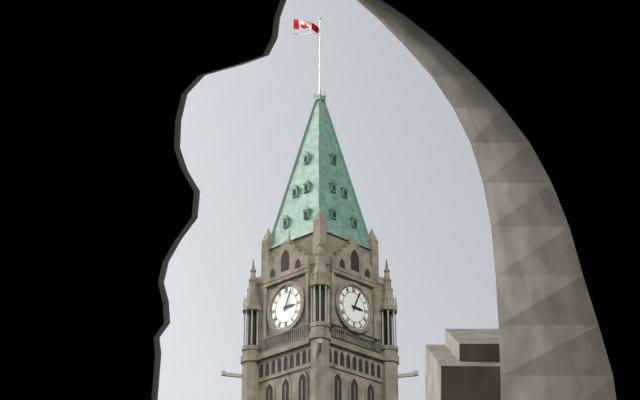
**3:04**
